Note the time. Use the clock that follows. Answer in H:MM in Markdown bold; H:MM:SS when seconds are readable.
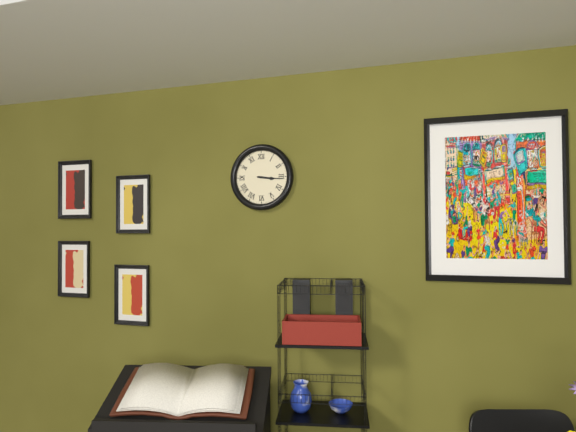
**3:16**
